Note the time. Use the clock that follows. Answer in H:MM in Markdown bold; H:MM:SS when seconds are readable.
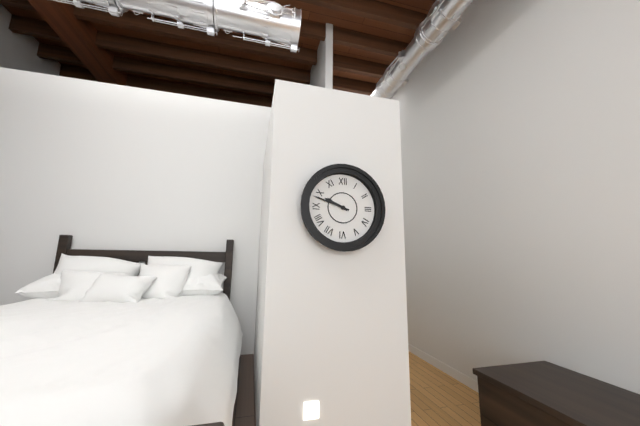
**9:48**
